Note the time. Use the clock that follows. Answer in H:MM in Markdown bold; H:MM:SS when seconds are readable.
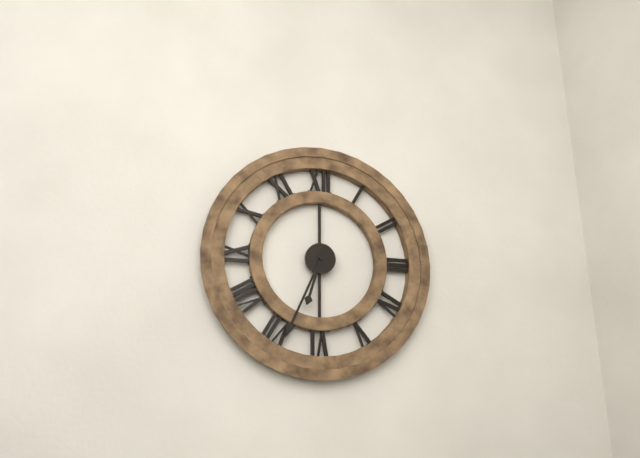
**6:34**
